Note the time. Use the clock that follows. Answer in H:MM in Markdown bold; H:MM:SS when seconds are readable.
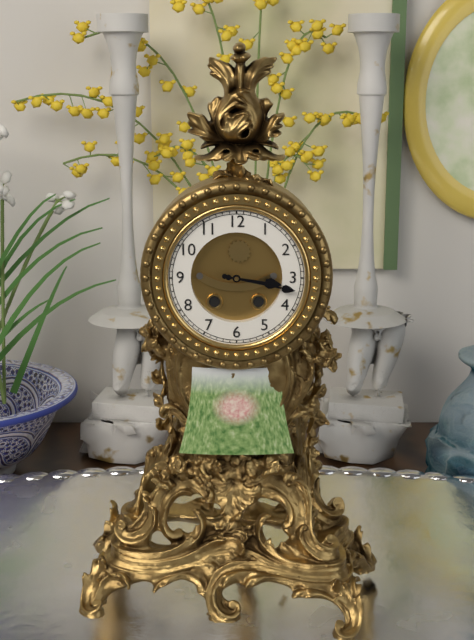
**3:17**
